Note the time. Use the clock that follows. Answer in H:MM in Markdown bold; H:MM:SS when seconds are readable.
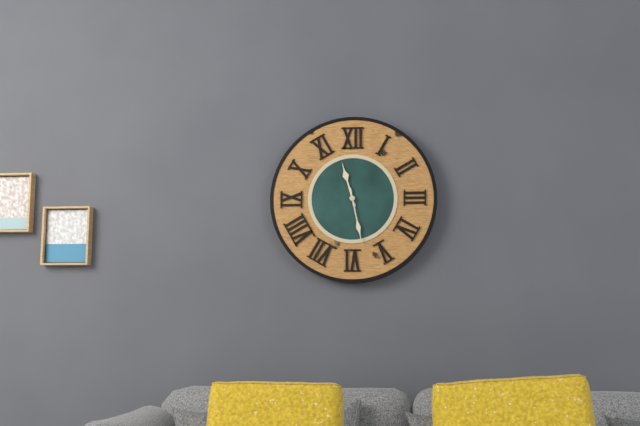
**11:28**
